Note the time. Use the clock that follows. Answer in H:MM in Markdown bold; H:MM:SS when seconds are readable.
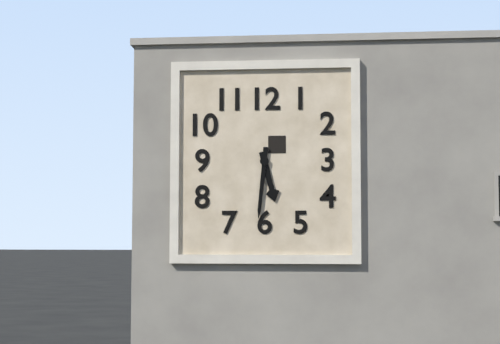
**5:31**
